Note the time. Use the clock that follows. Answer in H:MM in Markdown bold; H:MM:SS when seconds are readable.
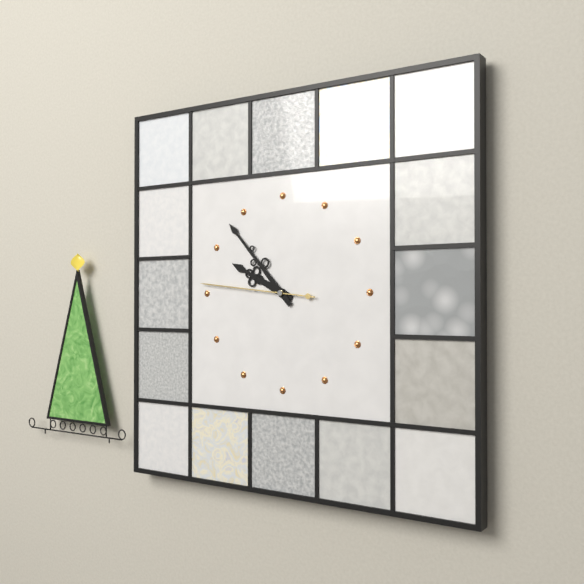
**9:53:46**
